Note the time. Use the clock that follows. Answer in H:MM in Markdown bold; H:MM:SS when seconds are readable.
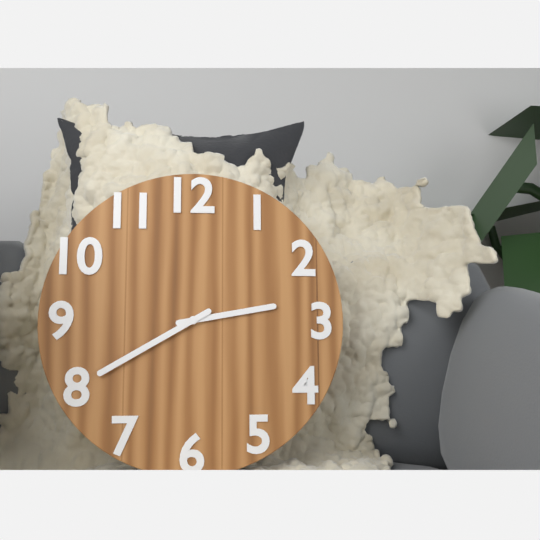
**2:40**
